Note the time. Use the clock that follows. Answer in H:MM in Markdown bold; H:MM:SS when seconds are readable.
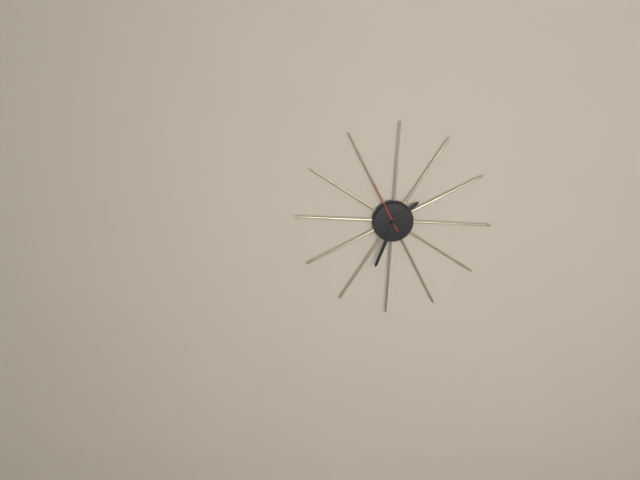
**1:33:55**
